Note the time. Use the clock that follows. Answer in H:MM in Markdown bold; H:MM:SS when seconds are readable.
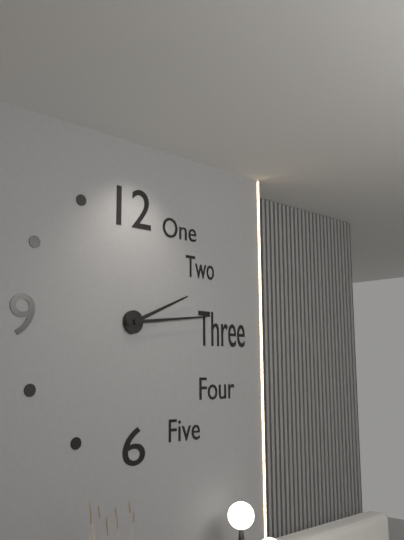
**2:14**
